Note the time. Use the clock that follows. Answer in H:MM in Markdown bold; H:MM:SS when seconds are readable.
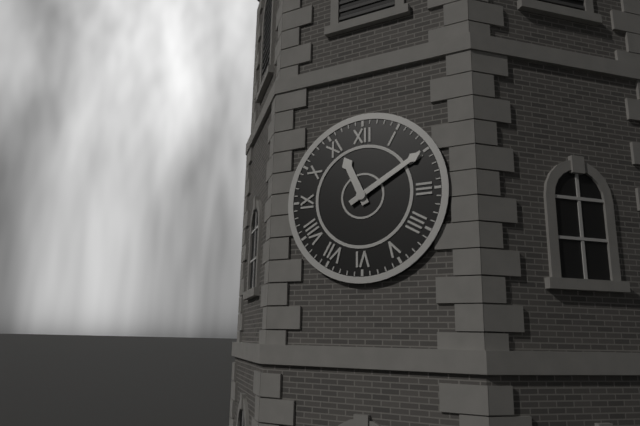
**11:10**
